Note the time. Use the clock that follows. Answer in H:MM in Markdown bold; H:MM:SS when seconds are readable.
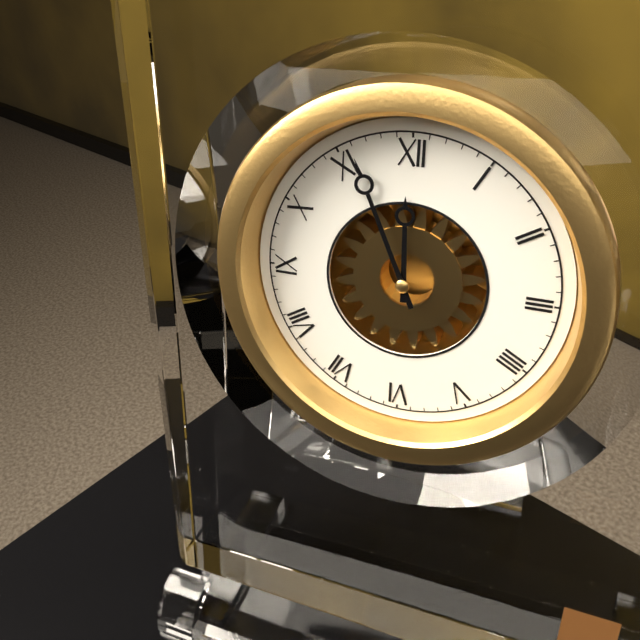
**11:56**
